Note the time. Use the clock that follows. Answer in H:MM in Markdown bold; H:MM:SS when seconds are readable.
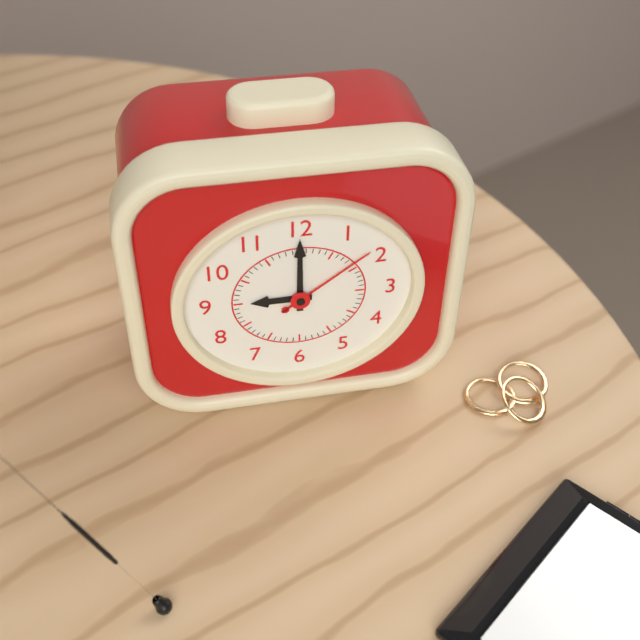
**9:00:09**
